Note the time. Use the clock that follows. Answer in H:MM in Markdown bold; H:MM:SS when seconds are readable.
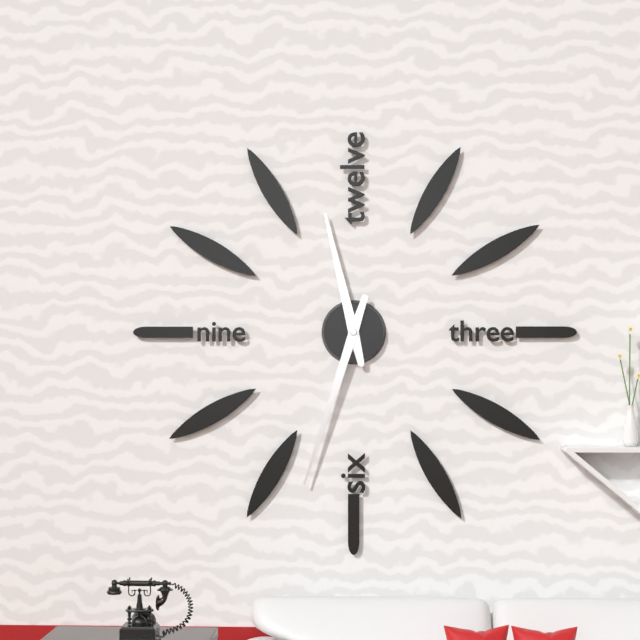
**11:33**
